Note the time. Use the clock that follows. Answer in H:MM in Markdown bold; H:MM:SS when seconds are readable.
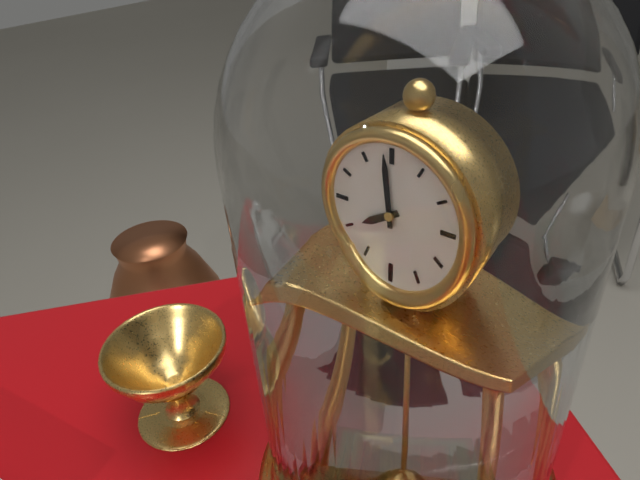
**7:59**
